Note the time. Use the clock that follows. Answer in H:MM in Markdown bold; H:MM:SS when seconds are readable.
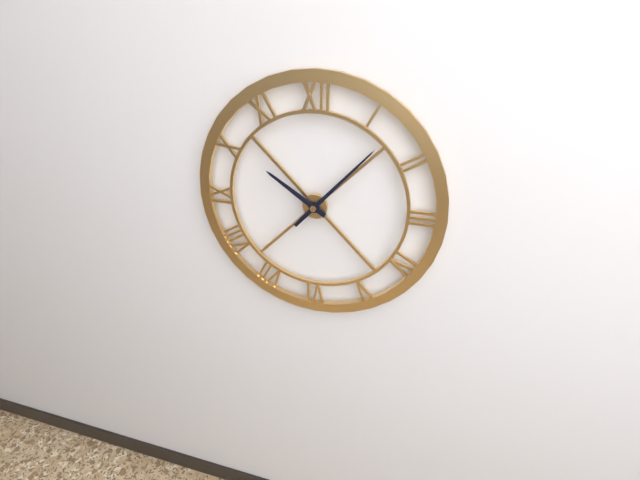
**10:07**
